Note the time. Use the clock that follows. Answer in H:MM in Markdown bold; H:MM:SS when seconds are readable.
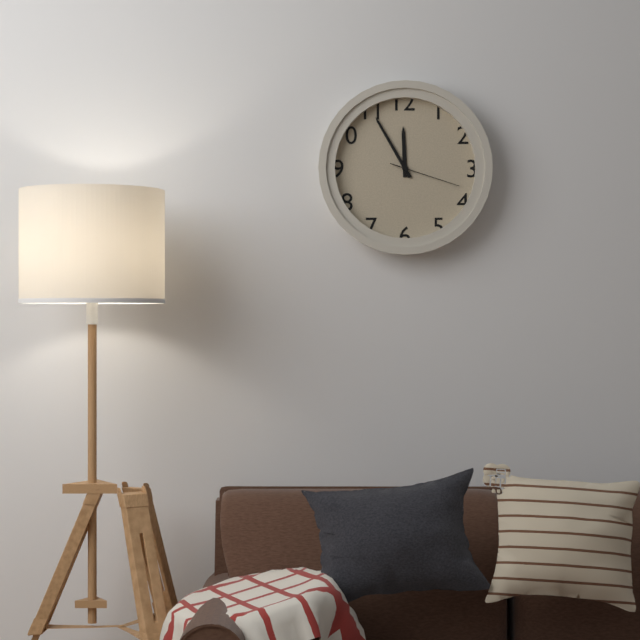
**11:55:18**
